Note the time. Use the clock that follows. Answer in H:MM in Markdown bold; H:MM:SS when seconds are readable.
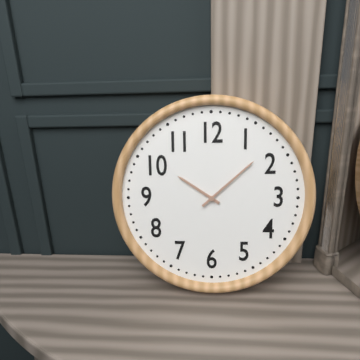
**10:08**
